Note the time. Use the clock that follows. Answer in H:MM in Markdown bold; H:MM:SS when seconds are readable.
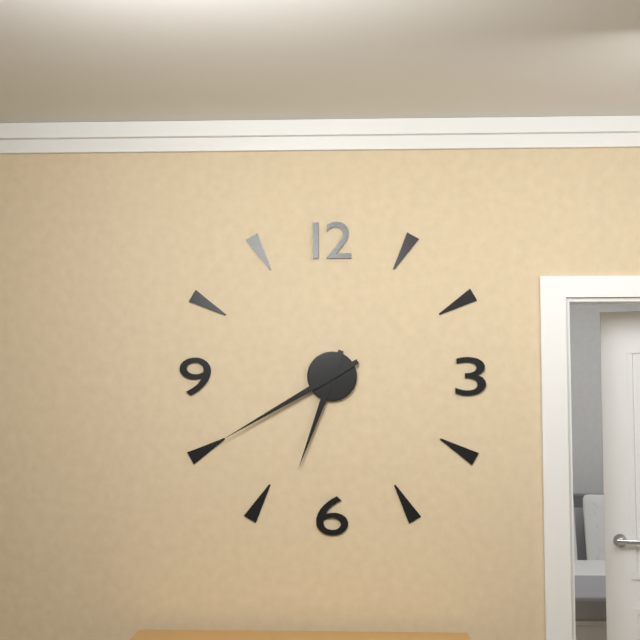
**6:40**
